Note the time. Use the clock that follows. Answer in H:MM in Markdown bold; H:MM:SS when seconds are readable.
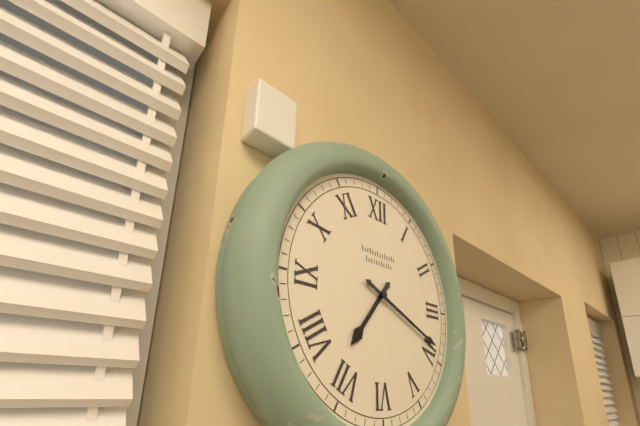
**7:19**
